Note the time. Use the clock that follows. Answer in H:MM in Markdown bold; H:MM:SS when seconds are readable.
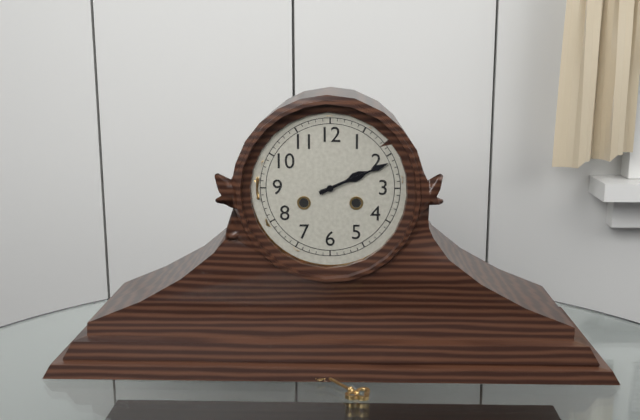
**2:11**
